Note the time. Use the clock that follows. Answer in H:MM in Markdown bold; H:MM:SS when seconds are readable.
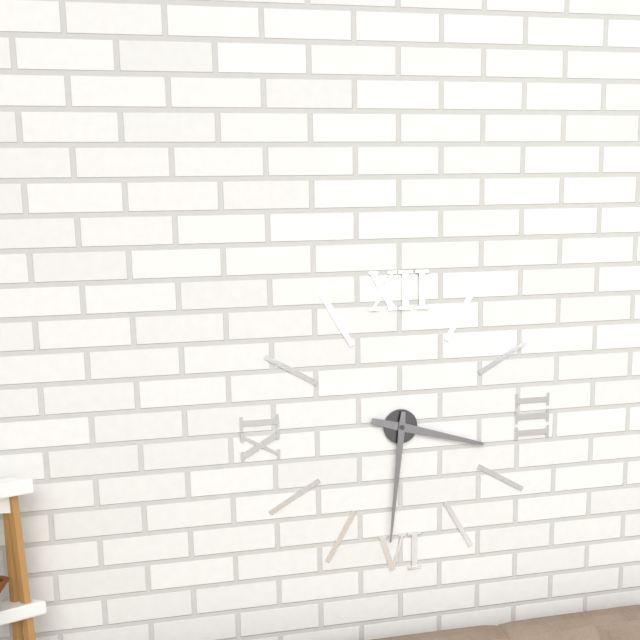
**3:31**
